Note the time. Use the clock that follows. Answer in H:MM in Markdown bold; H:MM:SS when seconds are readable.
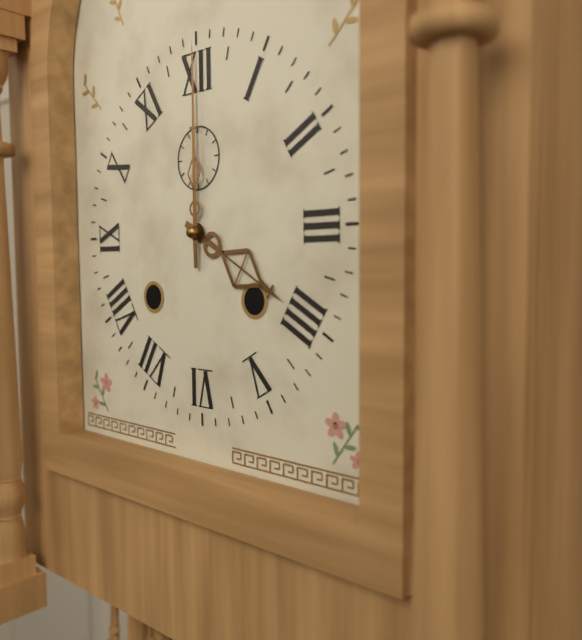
**4:00**
